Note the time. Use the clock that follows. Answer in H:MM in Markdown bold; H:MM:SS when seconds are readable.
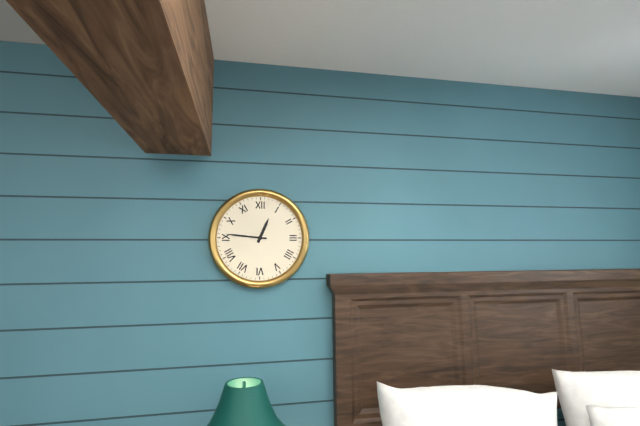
**12:46**
